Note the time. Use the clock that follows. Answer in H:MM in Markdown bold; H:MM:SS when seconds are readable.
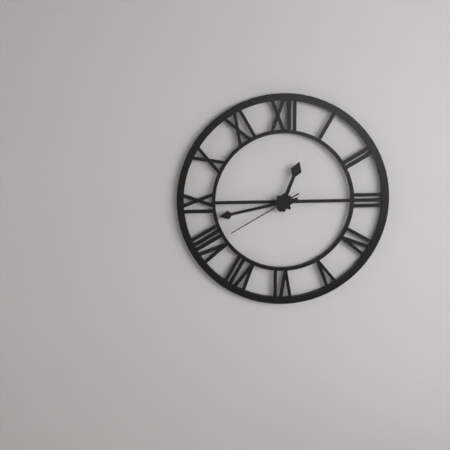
**12:43:40**
